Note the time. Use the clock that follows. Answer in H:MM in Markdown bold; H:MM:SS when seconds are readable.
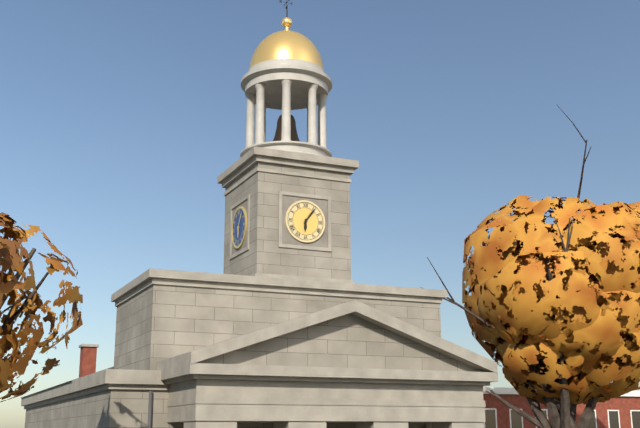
**6:06**
